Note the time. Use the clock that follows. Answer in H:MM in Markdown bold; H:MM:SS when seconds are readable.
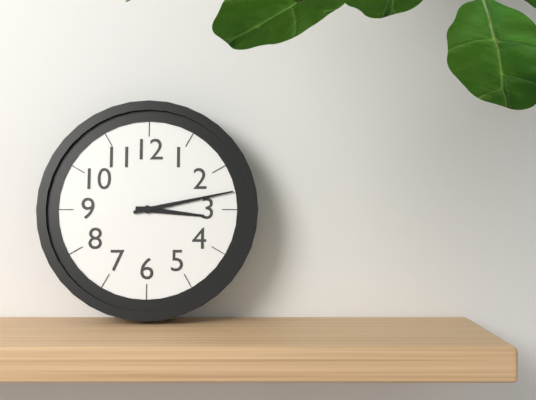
**3:13**
